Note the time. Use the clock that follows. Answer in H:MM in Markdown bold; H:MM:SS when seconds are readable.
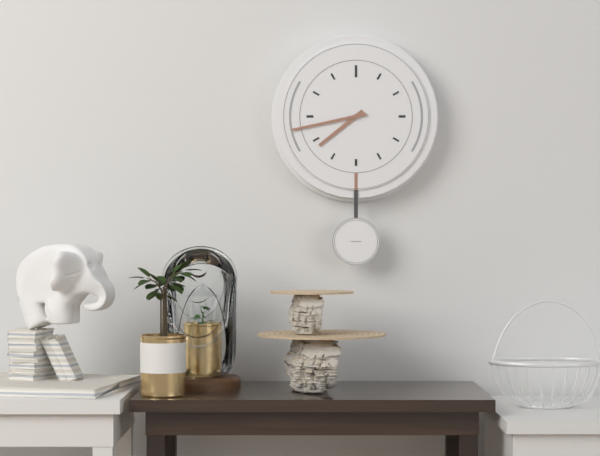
**7:43**
